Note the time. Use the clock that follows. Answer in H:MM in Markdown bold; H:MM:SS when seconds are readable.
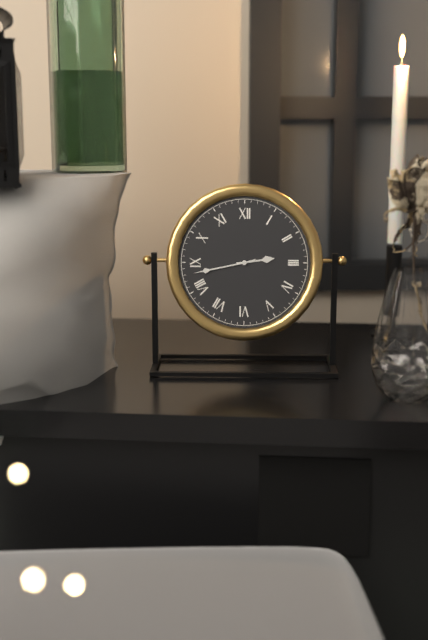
**2:43**
